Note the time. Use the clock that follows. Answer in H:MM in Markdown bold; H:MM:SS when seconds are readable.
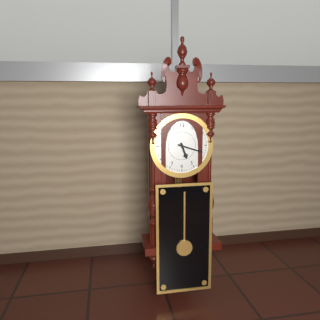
**5:18**
